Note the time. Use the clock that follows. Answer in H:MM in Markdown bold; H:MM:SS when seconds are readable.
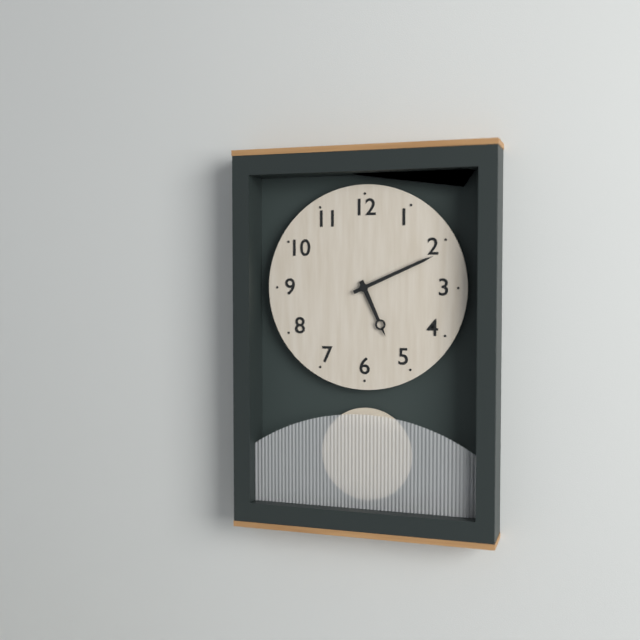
**5:11**
